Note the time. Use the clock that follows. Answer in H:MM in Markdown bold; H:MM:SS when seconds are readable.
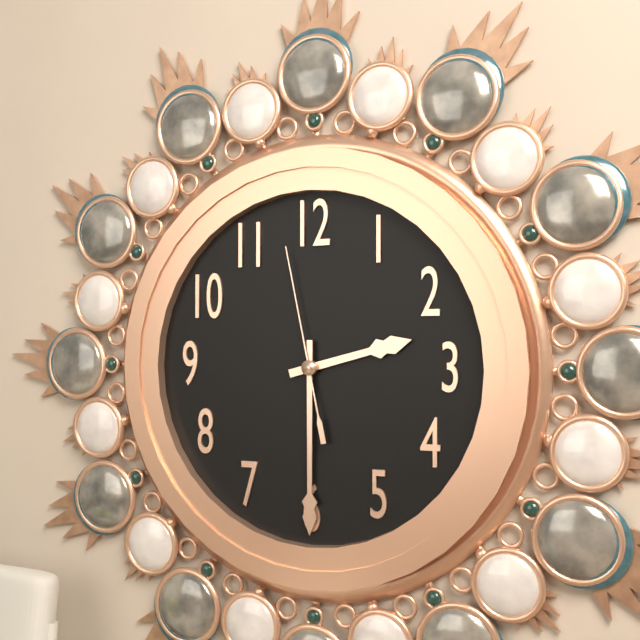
**2:30:58**
